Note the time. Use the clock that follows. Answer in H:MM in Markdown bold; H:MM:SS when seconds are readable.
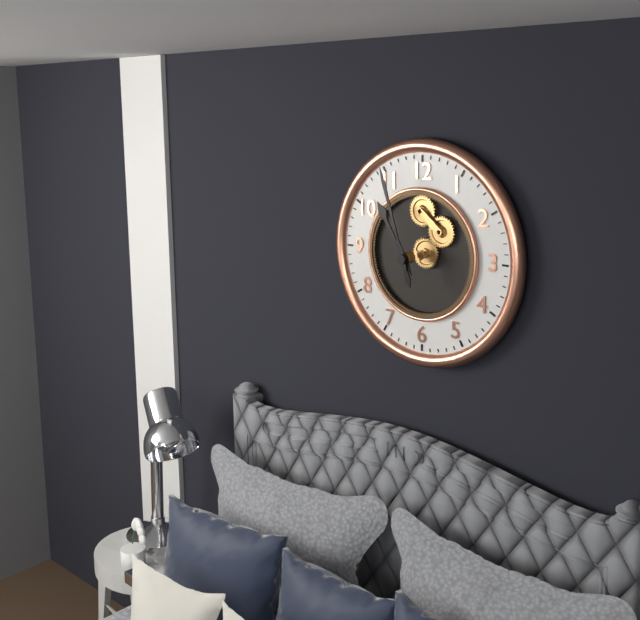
**10:57**
